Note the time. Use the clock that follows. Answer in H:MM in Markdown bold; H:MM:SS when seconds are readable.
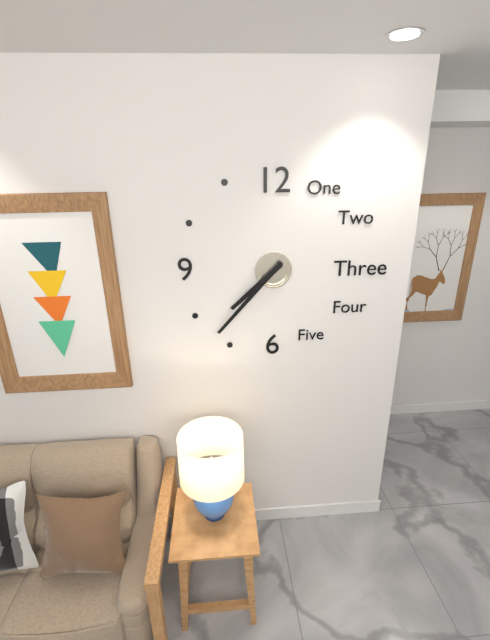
**7:37**
